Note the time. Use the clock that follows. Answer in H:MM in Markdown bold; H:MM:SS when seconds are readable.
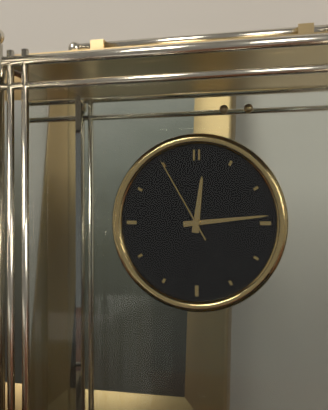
**12:14:55**
